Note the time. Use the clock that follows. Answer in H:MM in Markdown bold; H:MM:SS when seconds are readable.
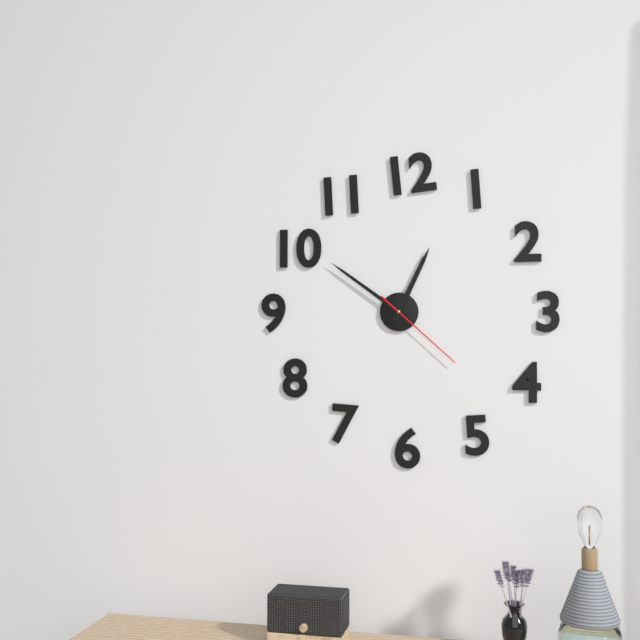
**12:51:22**
